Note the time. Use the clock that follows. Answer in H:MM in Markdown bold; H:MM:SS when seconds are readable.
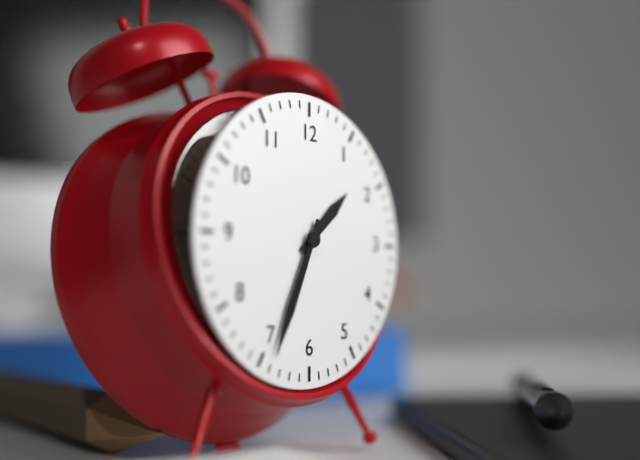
**1:34**
